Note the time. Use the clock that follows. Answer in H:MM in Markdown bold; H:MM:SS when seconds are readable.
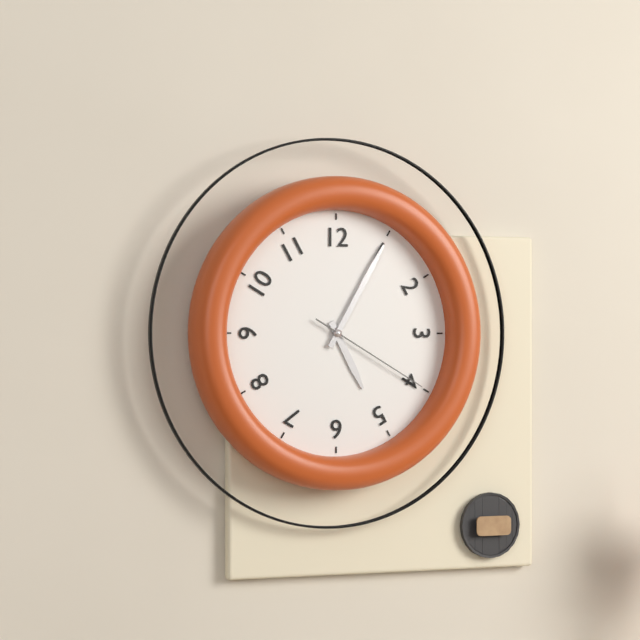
**5:05:20**
